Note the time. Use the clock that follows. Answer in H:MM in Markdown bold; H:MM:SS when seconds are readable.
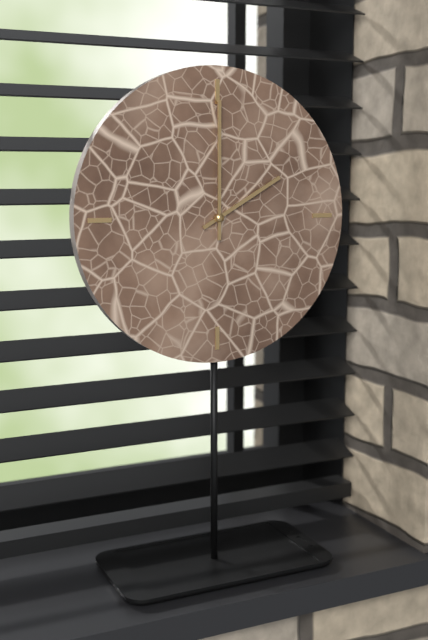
**2:00**
